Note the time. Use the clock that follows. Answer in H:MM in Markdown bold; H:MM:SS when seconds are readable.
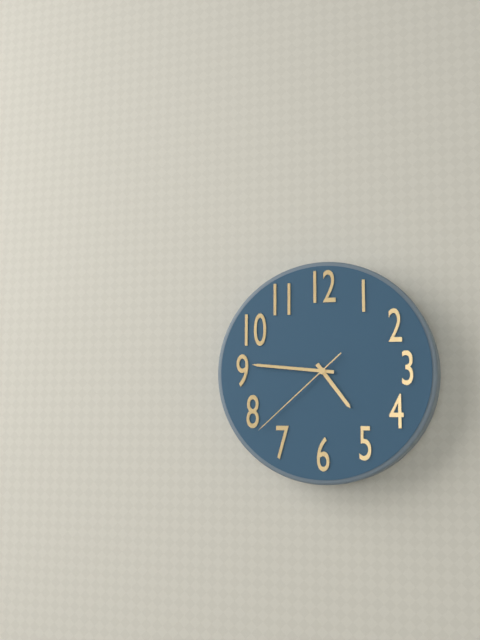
**4:46:38**
